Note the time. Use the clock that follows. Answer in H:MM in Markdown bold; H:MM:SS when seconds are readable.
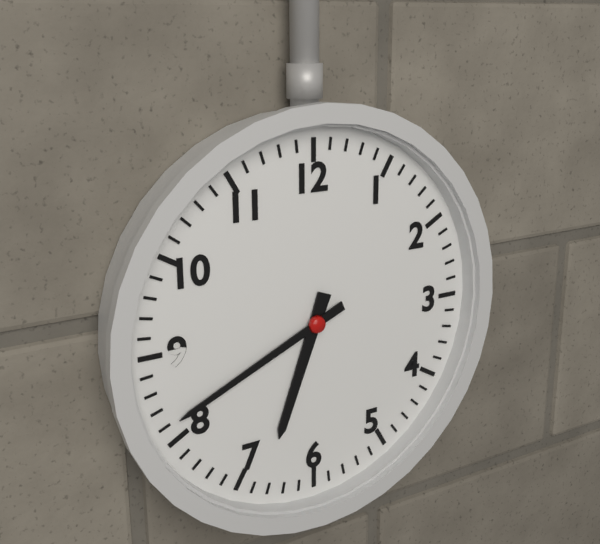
**6:41**
